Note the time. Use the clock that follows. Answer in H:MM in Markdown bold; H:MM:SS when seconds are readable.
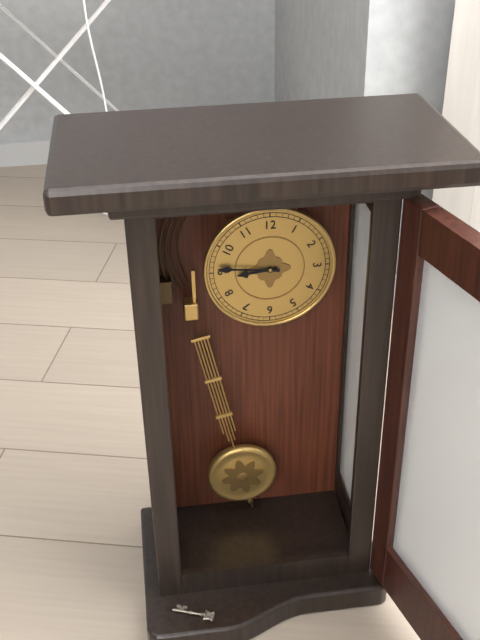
**8:46**
